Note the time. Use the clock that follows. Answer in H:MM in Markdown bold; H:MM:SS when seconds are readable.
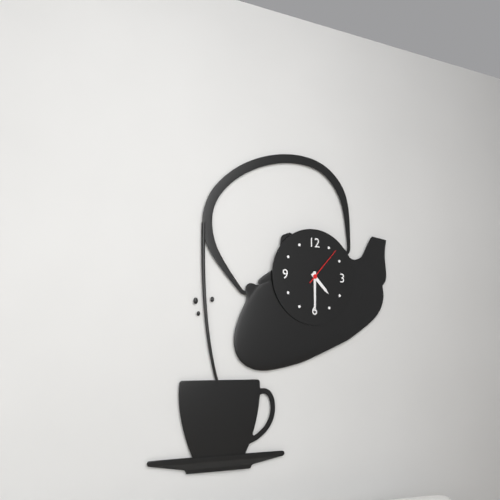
**4:30**
